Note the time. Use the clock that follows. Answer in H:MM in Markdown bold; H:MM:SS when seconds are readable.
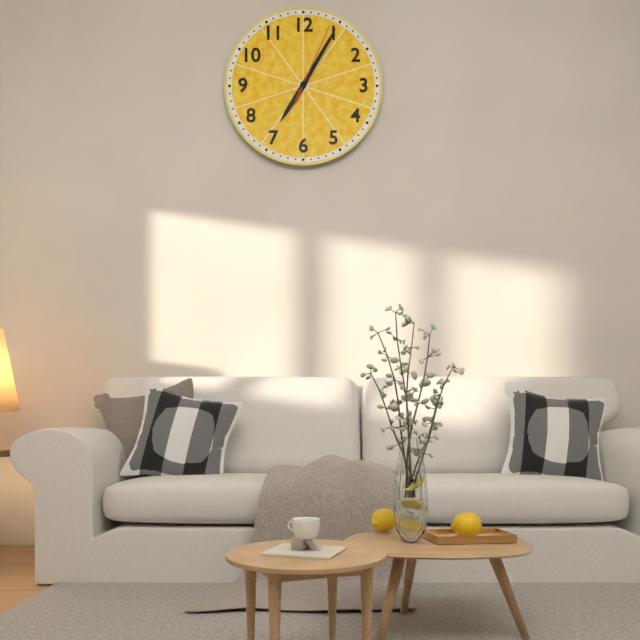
**7:05:04**
